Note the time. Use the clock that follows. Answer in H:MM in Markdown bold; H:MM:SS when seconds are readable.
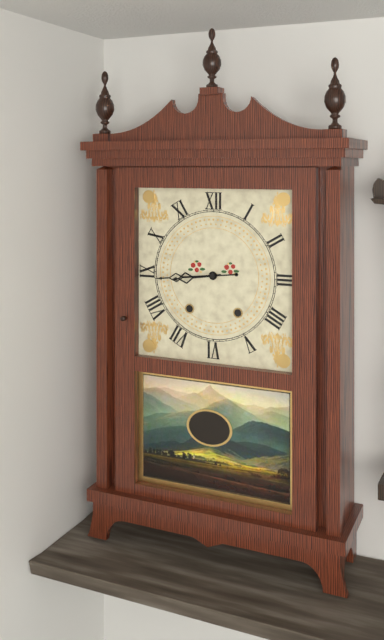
**8:44**
